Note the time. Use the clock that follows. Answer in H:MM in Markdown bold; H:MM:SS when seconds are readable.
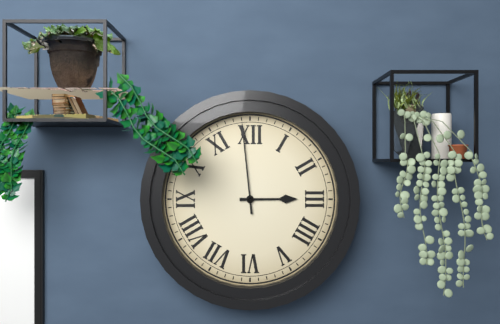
**2:59**
